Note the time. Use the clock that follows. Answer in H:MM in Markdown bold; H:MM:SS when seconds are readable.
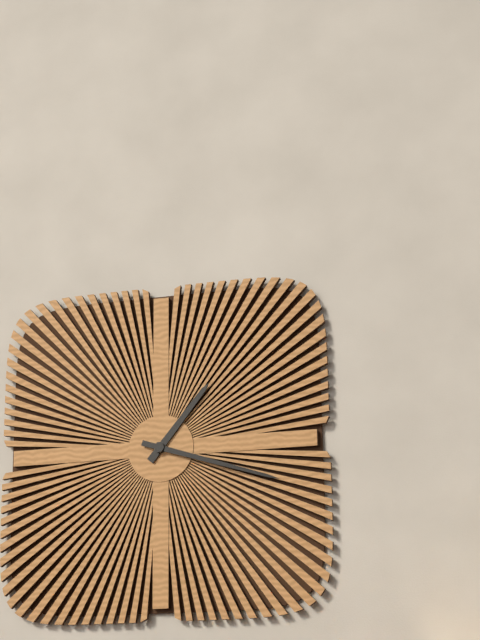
**1:18**
